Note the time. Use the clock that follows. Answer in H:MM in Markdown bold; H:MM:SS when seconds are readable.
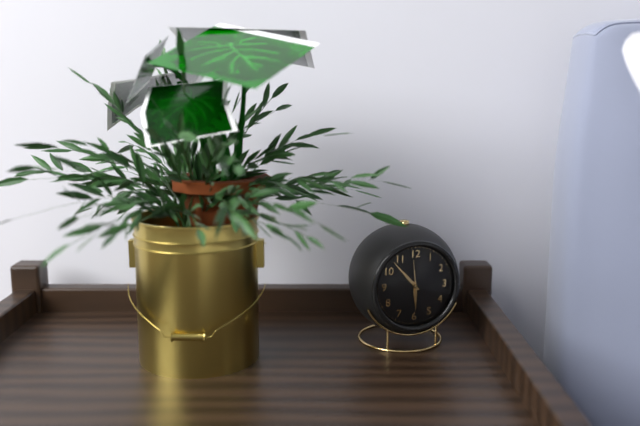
**5:53**
